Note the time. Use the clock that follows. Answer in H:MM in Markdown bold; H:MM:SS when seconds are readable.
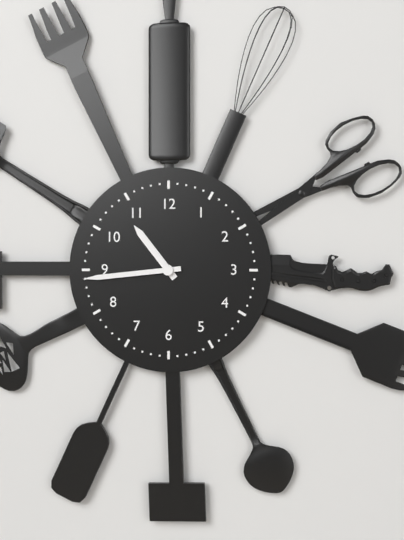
**10:44**
